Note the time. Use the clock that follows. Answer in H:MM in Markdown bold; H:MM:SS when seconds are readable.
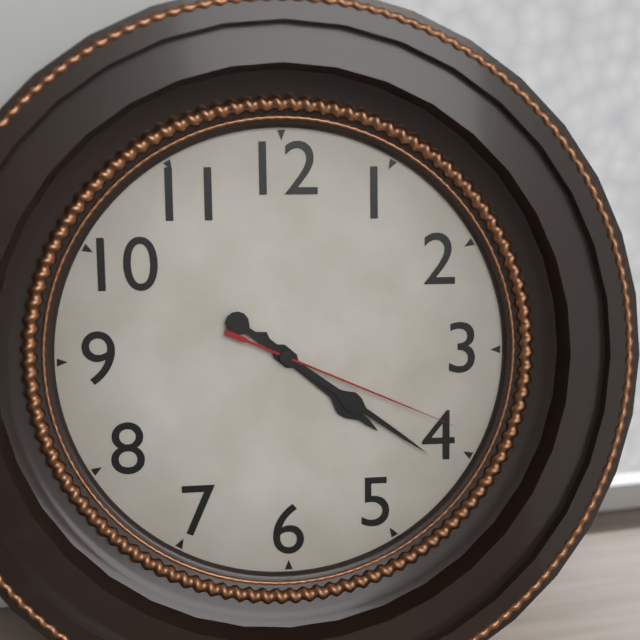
**4:21:19**
